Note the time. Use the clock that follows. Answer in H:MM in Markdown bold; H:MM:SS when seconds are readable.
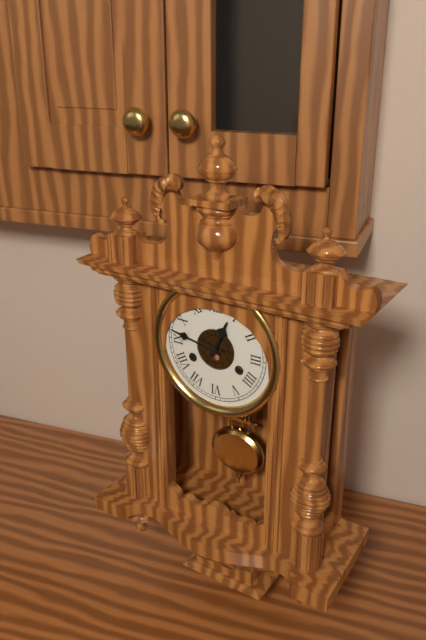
**12:47**
